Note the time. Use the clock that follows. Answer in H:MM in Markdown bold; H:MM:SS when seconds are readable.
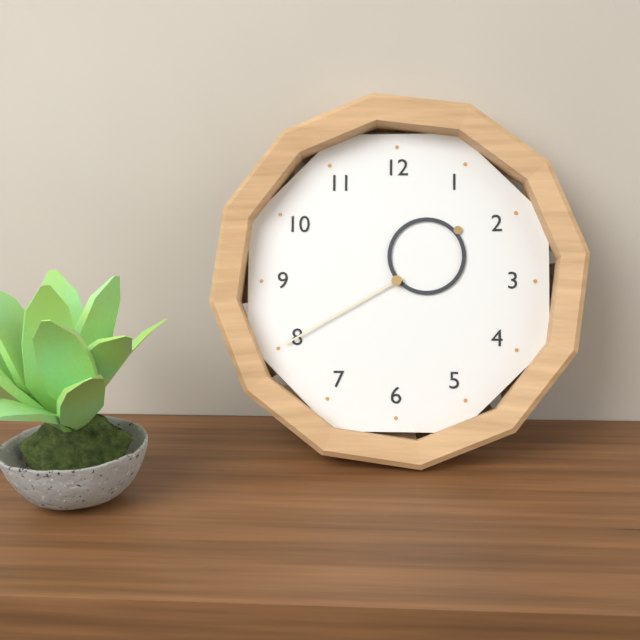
**1:40**
